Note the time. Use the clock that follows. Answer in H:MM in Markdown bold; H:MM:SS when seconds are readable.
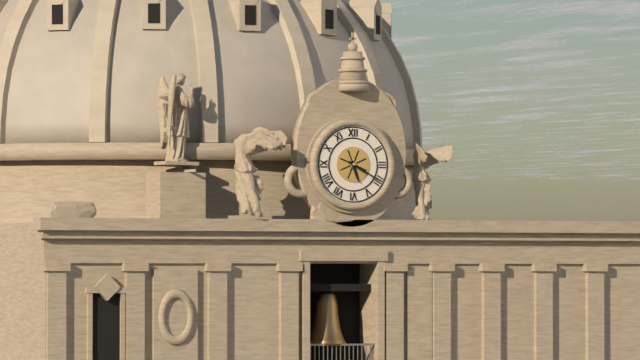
**5:20**
